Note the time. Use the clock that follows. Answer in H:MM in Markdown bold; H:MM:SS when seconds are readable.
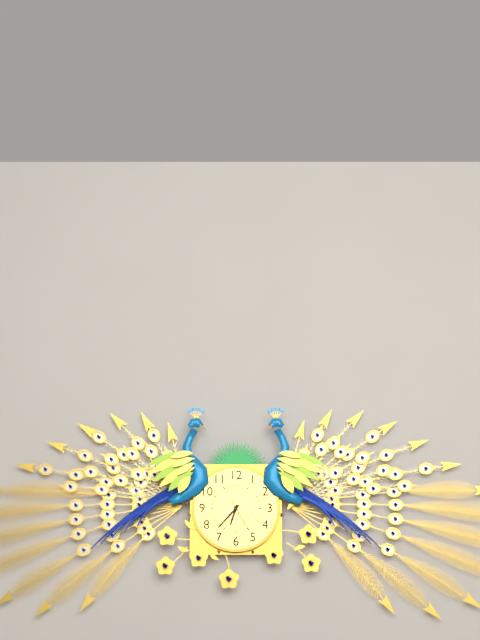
**6:37**
